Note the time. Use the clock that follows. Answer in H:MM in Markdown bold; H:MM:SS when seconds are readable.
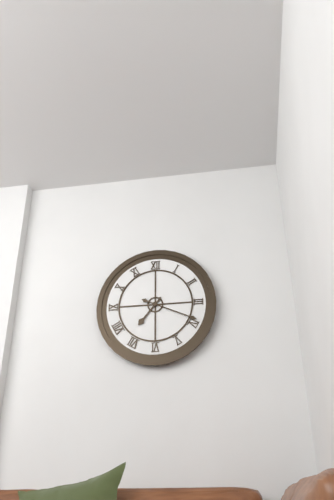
**7:19**
